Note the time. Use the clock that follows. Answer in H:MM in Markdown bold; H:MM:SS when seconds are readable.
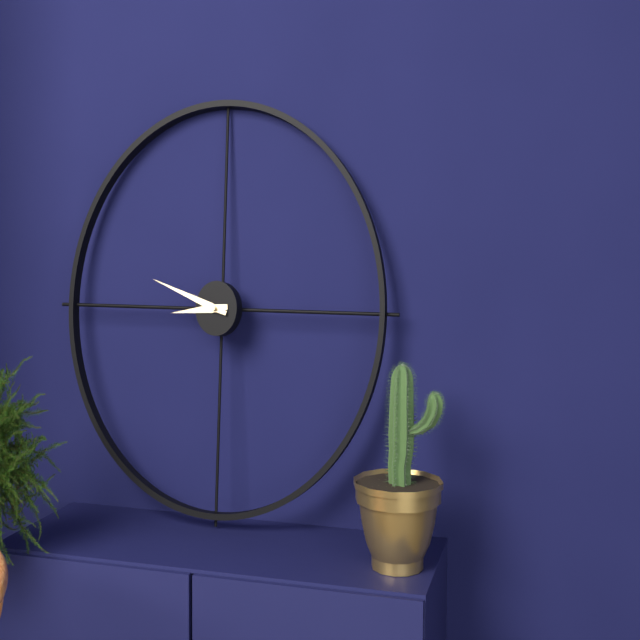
**8:48**
